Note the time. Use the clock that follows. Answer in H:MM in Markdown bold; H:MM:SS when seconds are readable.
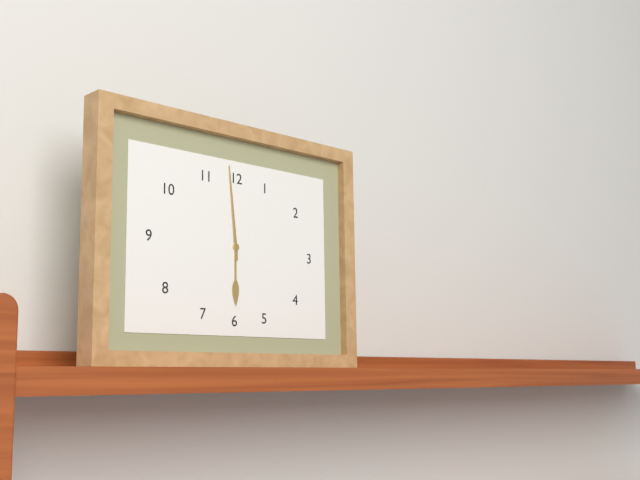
**5:59**
